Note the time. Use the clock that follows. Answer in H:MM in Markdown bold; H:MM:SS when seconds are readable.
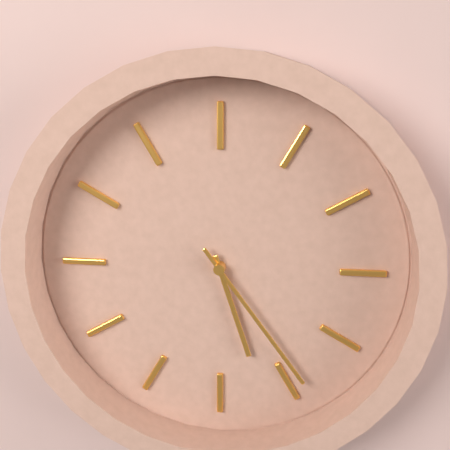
**5:24**
